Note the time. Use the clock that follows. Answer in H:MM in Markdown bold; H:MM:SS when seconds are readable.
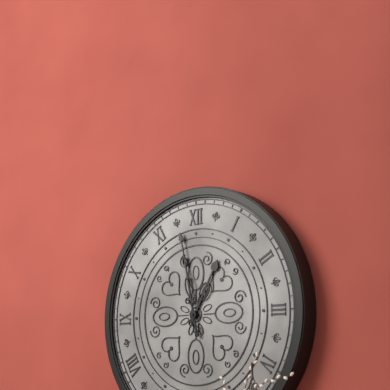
**12:58**
